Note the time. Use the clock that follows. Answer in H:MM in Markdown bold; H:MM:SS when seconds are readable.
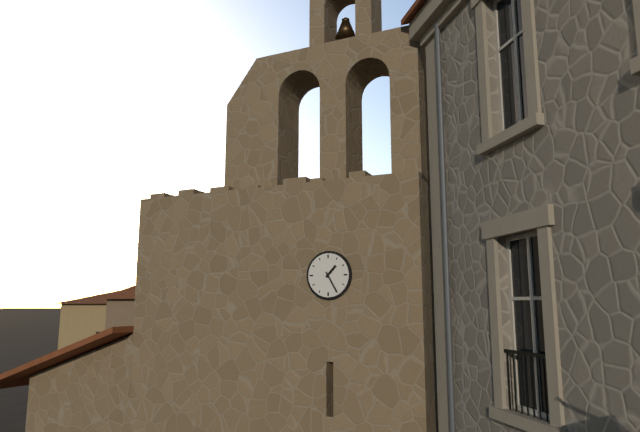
**1:25**
